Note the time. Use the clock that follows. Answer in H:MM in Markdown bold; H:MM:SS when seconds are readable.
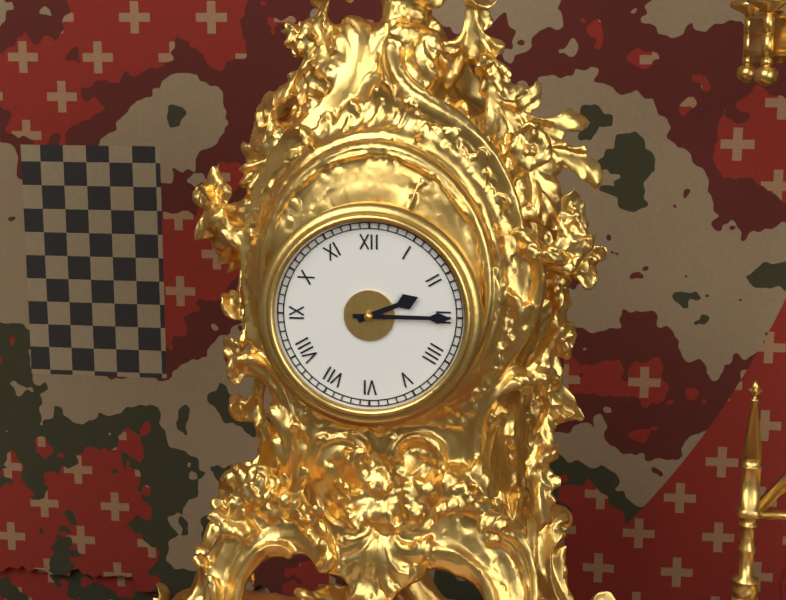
**2:15**
